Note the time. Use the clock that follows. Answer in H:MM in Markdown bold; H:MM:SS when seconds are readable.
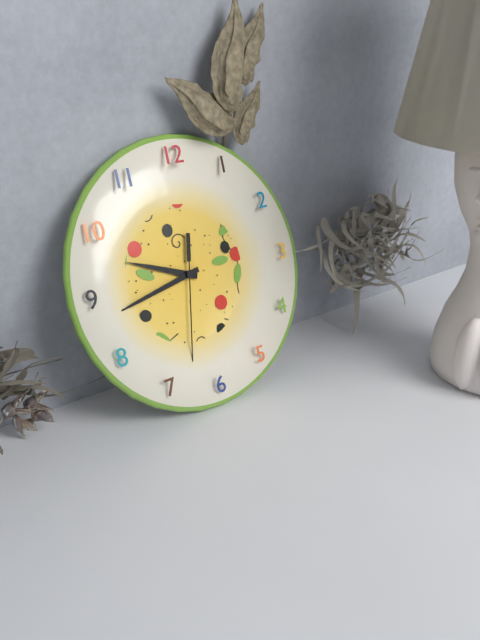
**9:43:32**
